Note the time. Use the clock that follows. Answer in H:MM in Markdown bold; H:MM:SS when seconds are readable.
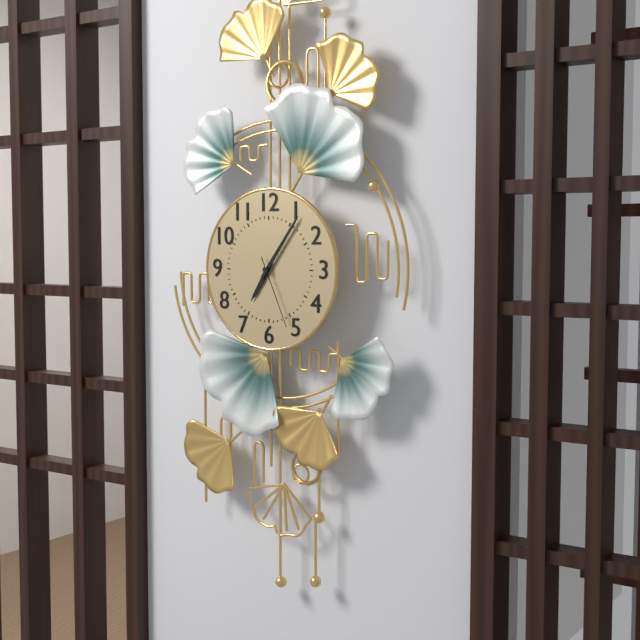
**7:06:26**
